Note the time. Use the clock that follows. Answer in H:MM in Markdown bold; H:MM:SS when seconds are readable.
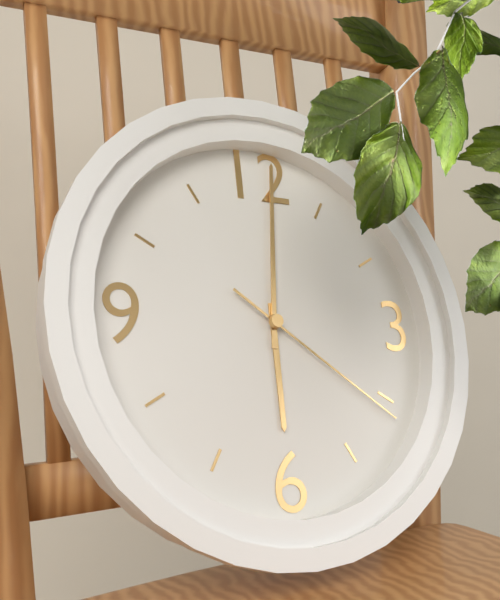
**6:01:21**
